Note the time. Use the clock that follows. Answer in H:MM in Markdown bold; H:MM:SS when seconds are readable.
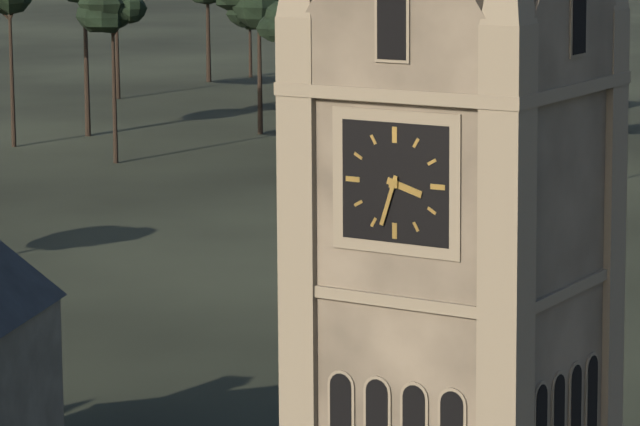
**3:33**
